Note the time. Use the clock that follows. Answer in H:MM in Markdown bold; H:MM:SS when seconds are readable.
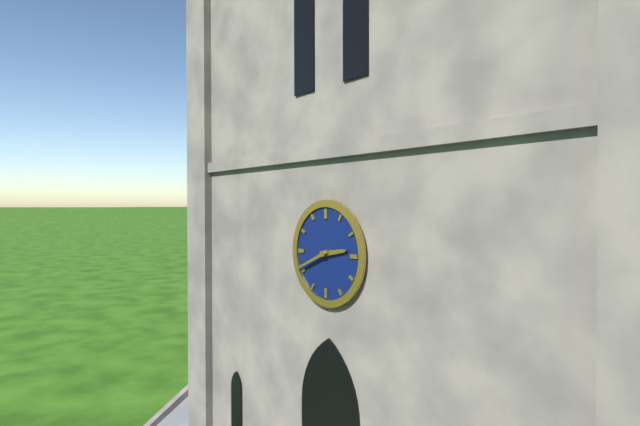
**2:41**
